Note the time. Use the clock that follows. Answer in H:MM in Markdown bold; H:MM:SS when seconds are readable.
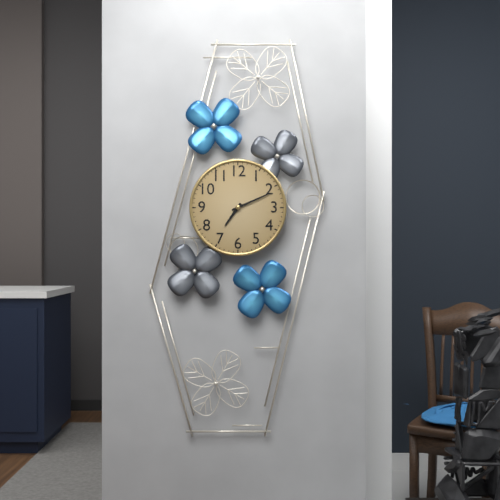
**7:11**
